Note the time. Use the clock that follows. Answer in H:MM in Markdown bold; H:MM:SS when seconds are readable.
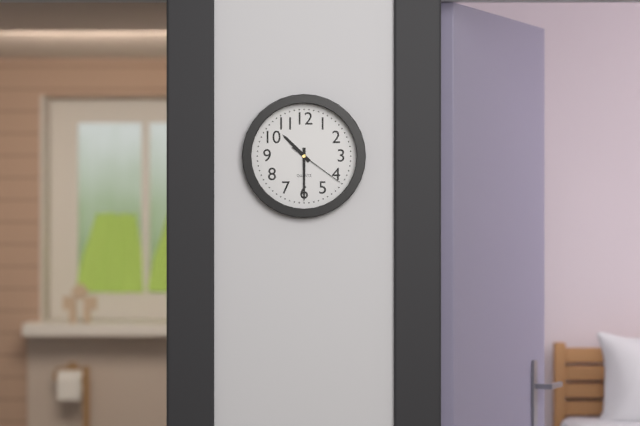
**10:30:21**
